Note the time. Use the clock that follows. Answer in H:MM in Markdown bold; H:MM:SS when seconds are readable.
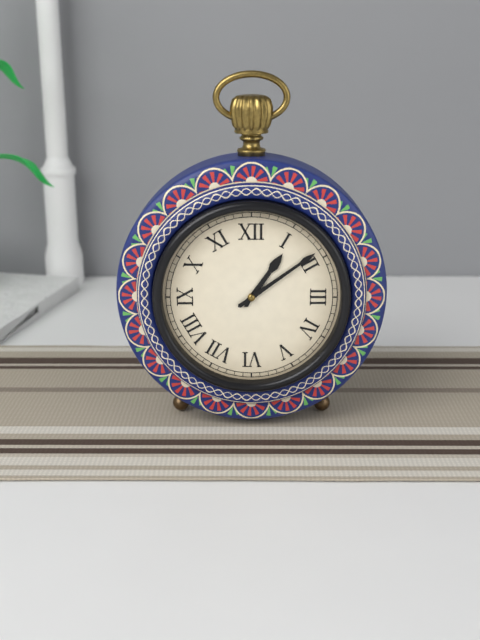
**1:09**
